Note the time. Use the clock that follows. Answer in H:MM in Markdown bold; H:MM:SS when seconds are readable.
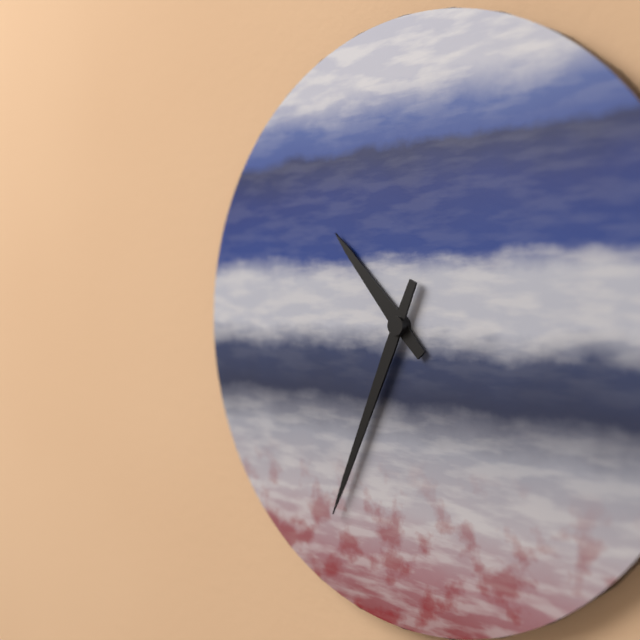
**10:34**
